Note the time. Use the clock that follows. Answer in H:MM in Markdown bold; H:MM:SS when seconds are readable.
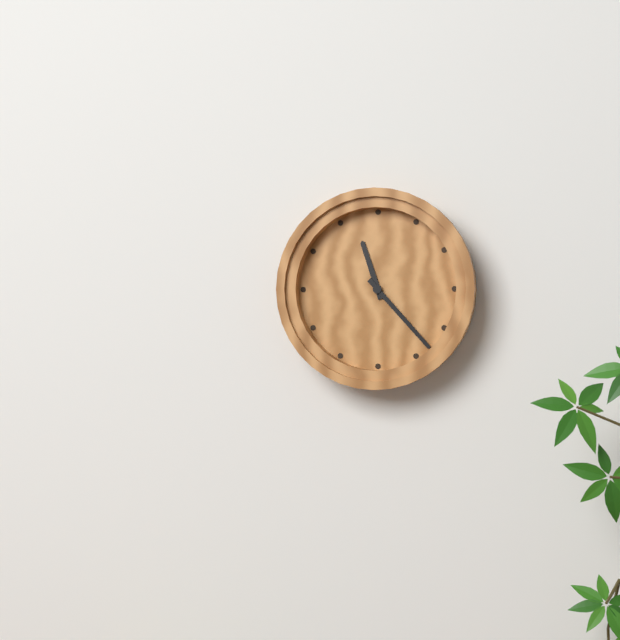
**11:23**
